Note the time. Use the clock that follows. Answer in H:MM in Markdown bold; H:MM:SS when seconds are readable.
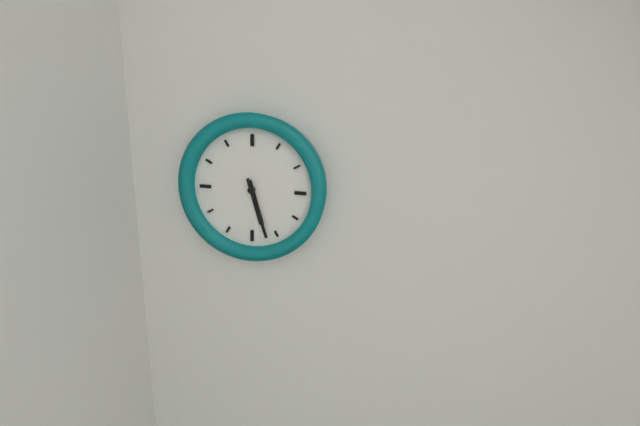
**5:27**
